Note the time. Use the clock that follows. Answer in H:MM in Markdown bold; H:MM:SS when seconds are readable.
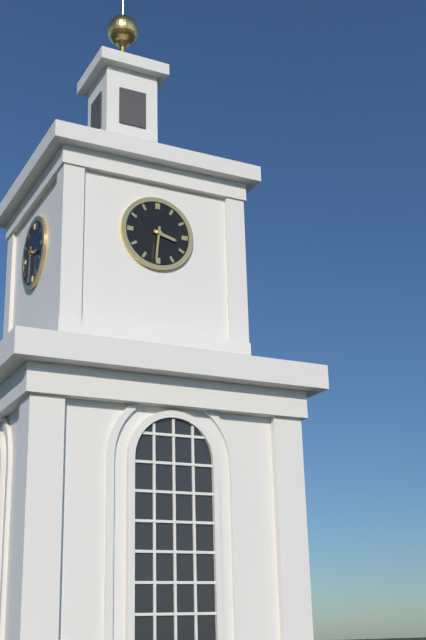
**3:31**
